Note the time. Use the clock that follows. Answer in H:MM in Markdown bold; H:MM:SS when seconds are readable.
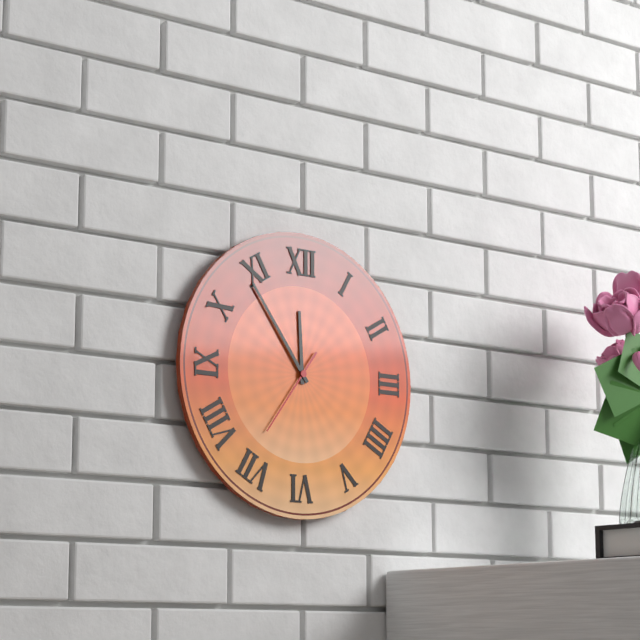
**11:54:36**
